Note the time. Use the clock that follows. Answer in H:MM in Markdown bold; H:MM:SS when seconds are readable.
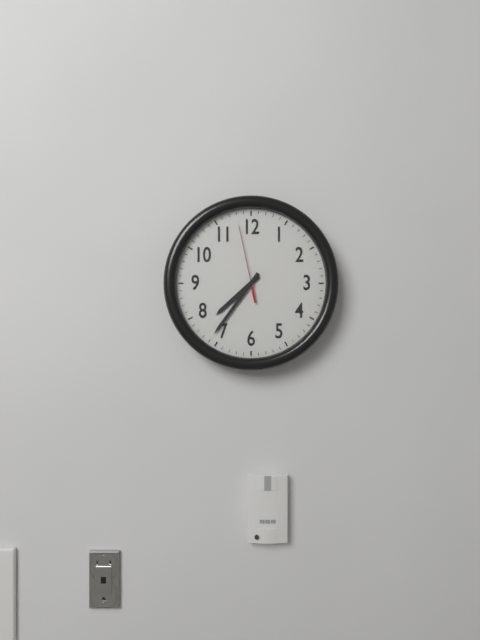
**7:36:58**
